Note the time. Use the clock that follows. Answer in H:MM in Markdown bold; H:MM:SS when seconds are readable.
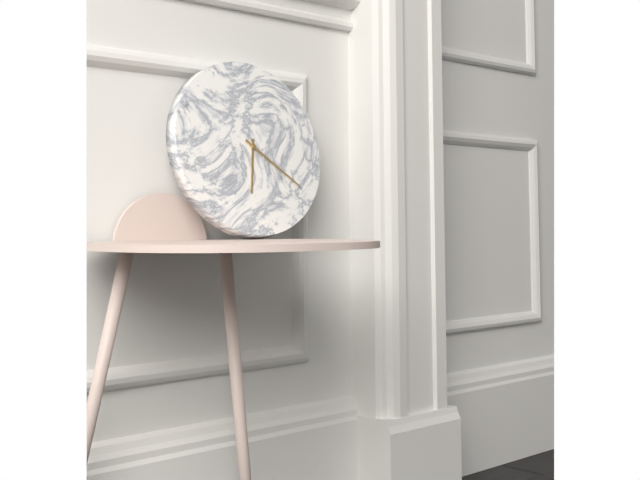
**6:21**
